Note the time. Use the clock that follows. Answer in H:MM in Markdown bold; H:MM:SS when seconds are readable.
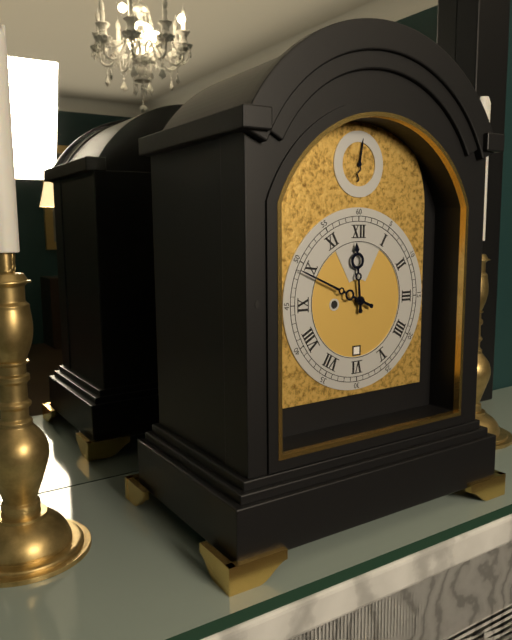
**11:49**
